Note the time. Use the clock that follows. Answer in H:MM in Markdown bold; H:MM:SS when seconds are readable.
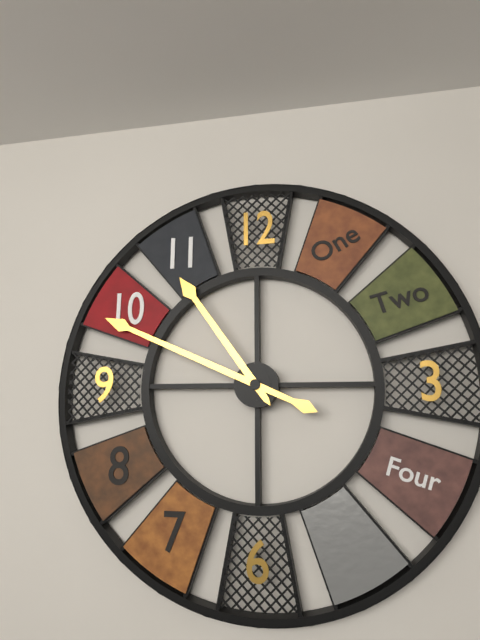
**10:49**
